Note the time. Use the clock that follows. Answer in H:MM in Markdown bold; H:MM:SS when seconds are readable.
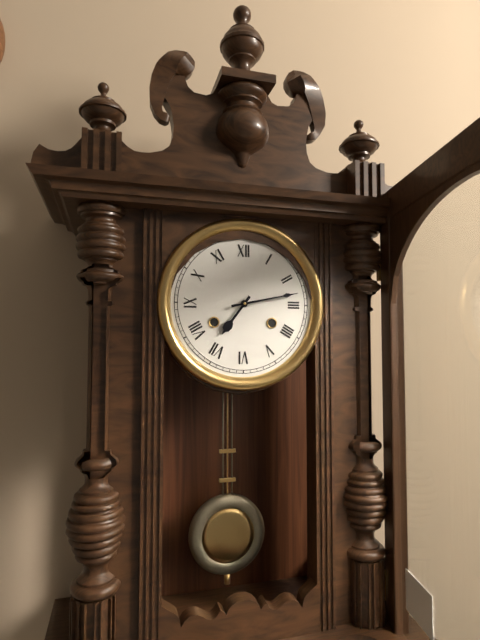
**7:13**
